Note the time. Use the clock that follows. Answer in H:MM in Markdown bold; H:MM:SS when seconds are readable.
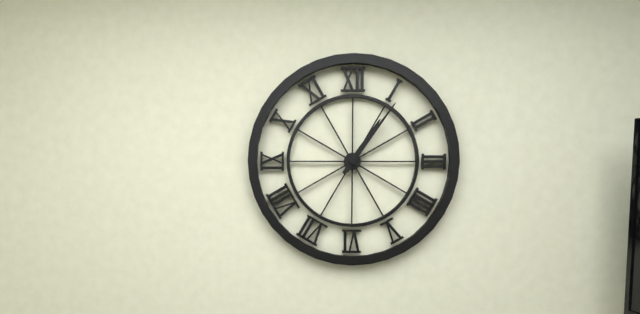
**1:06**
